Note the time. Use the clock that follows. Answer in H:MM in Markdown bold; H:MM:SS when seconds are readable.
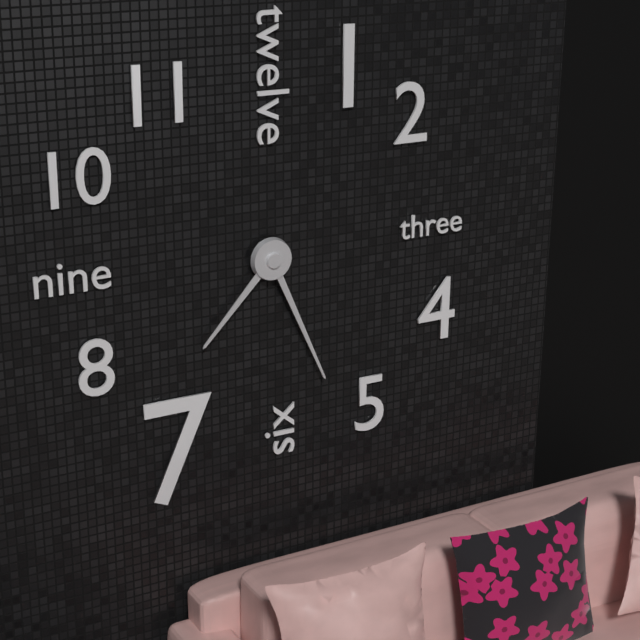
**7:26**
